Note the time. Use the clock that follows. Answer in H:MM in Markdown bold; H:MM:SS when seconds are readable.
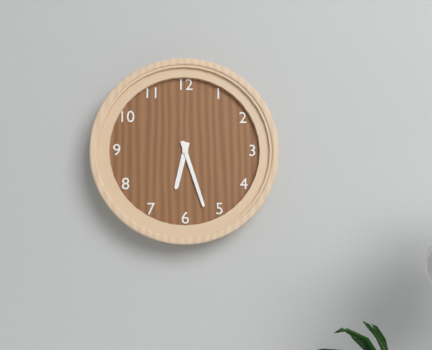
**6:27**
